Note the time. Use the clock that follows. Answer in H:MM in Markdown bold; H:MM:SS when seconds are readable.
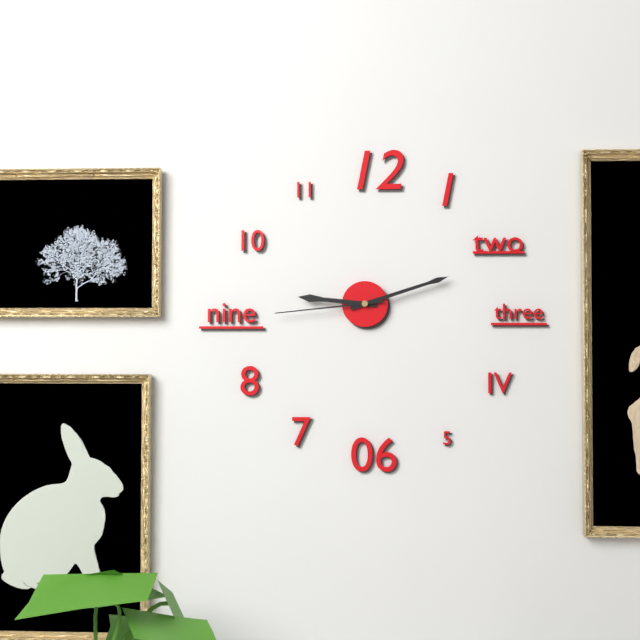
**9:12:44**
